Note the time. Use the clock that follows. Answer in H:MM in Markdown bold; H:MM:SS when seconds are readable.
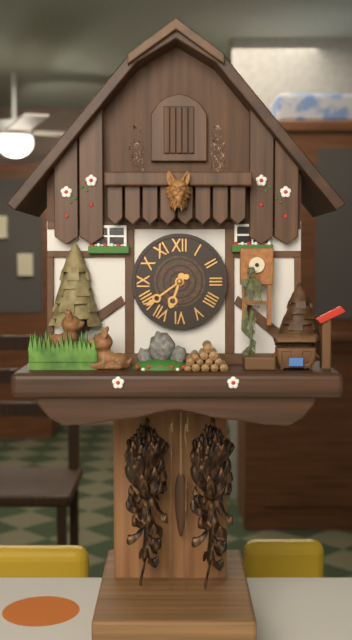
**6:39**
